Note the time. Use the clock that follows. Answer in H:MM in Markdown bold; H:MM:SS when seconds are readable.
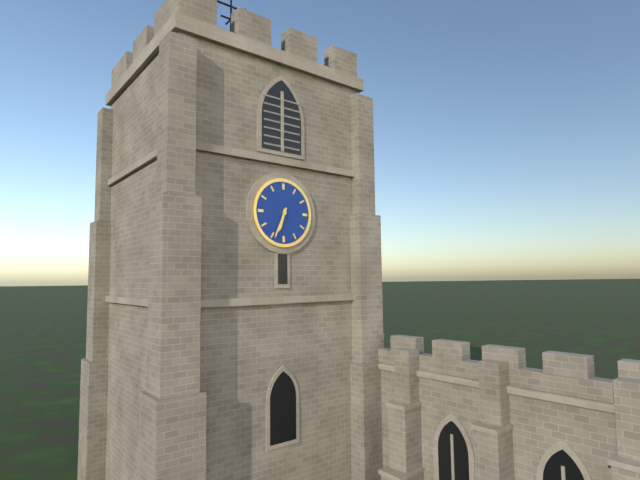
**6:34**
